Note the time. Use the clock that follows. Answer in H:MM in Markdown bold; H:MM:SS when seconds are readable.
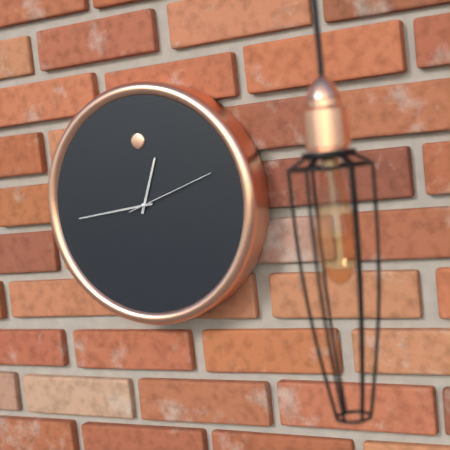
**12:44:12**
